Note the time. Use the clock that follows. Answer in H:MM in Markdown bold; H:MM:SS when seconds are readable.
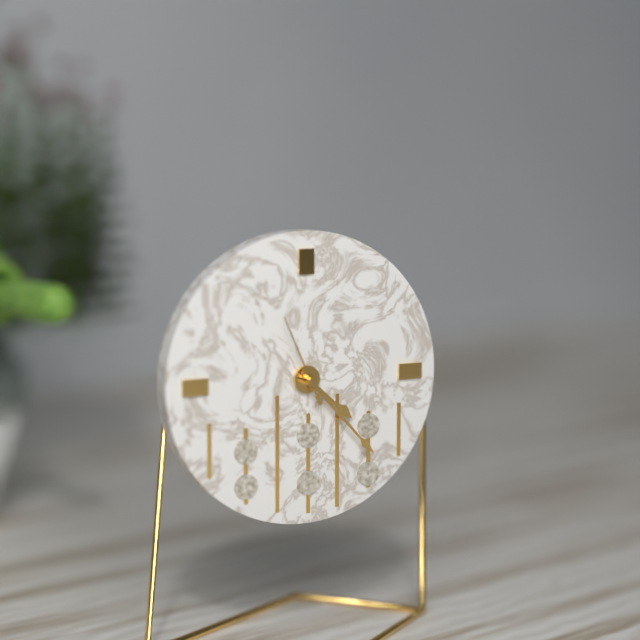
**4:23:56**
